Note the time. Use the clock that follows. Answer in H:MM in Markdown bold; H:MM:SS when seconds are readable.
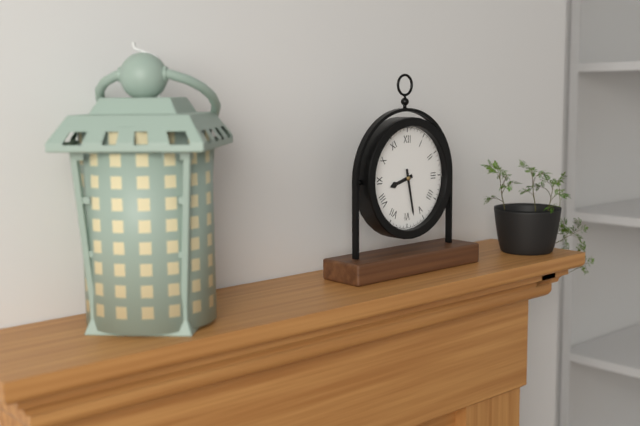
**8:28**
